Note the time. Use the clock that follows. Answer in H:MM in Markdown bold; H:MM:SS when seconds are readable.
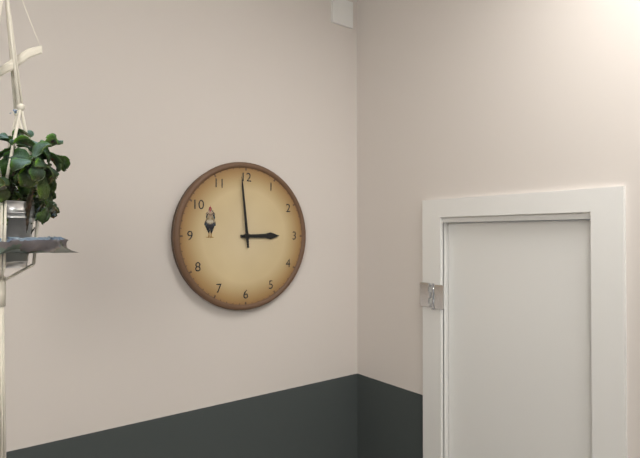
**2:59**
